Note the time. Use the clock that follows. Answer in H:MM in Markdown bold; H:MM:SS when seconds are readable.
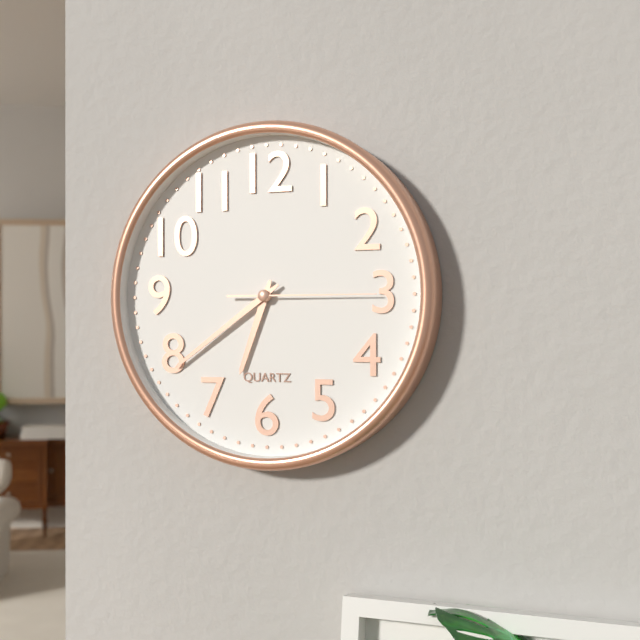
**6:39:15**
